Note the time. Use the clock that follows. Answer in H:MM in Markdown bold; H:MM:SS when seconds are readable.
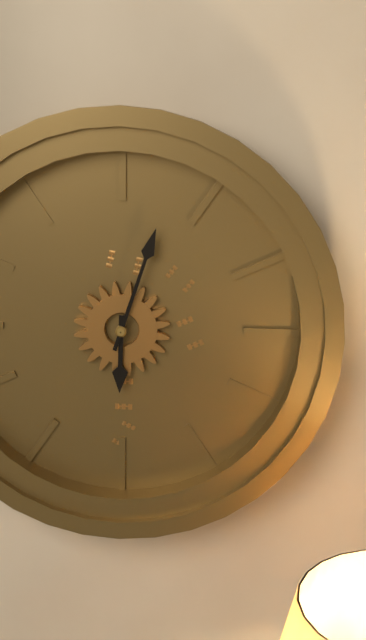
**6:03**
